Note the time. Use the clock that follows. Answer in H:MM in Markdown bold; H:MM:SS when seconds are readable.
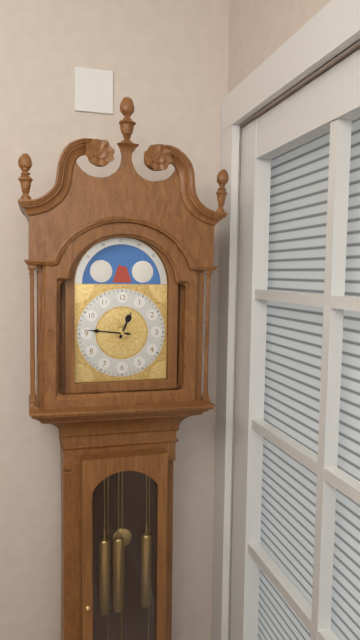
**12:46**
